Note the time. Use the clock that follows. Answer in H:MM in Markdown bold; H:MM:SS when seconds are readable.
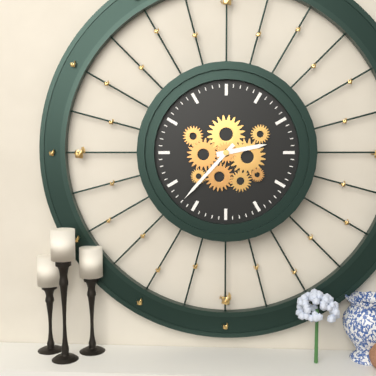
**2:37**
